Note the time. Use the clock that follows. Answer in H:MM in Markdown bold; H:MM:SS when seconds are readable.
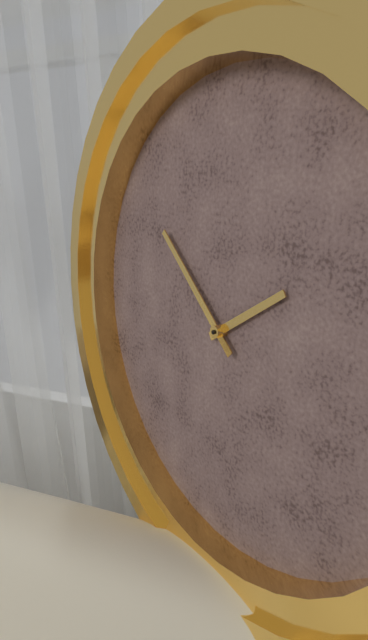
**1:52**
